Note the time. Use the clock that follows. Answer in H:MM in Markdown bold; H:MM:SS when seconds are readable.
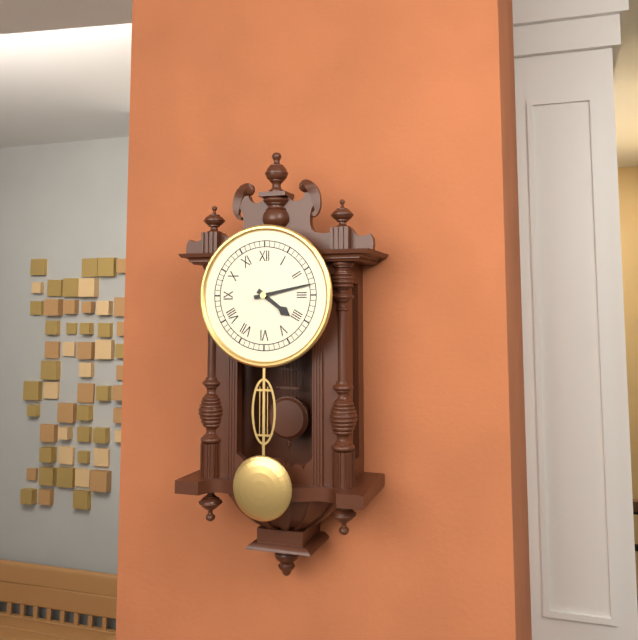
**4:13**
